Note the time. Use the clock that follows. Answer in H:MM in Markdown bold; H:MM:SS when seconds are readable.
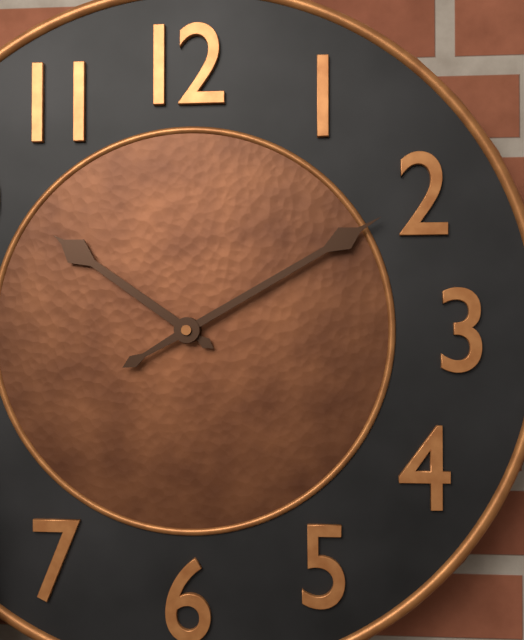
**10:10**
